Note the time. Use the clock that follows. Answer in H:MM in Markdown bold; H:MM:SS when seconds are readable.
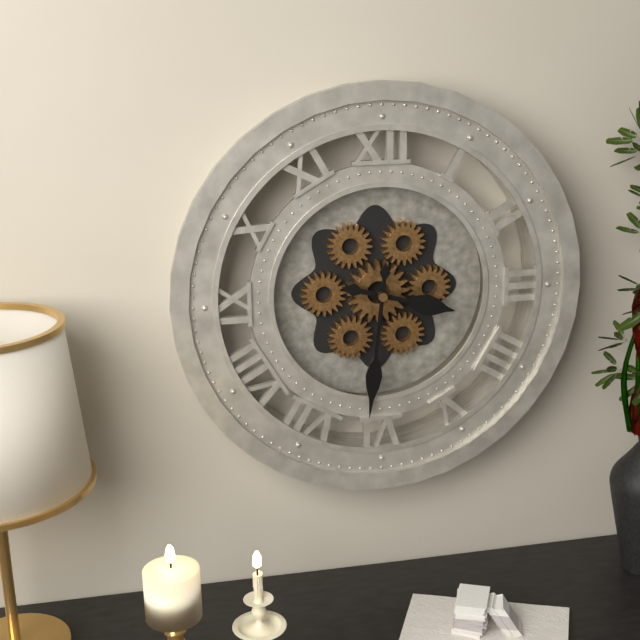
**3:31**
